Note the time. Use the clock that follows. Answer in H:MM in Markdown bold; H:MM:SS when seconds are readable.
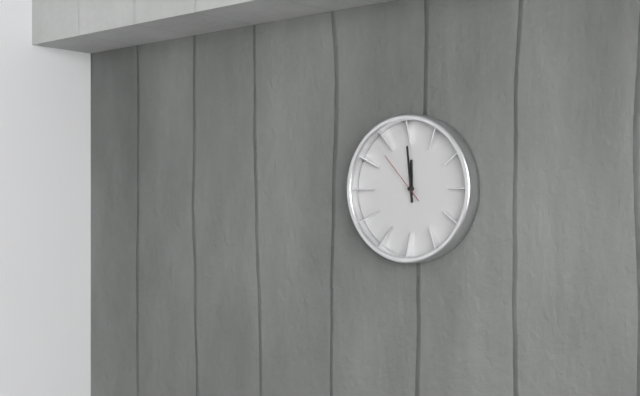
**11:59:53**
